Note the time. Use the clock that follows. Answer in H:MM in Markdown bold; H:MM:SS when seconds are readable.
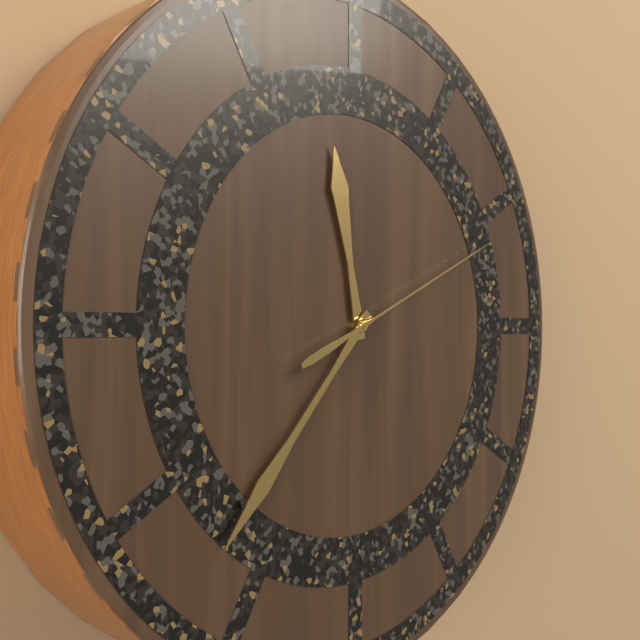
**11:37:11**
